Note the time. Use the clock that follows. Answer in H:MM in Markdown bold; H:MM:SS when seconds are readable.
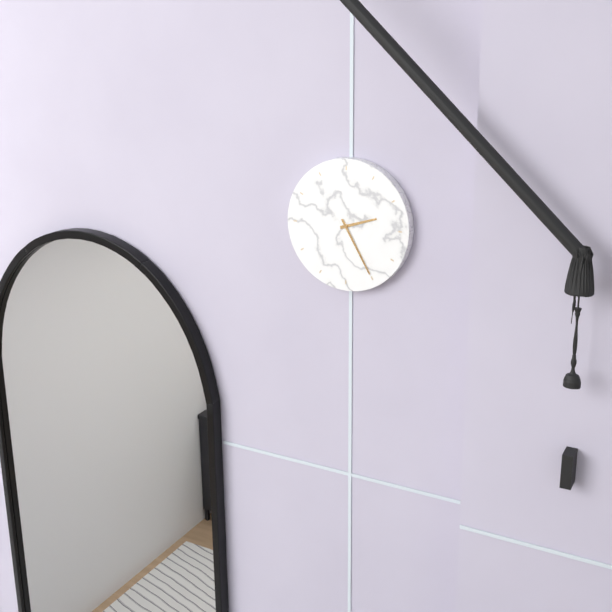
**2:25**
